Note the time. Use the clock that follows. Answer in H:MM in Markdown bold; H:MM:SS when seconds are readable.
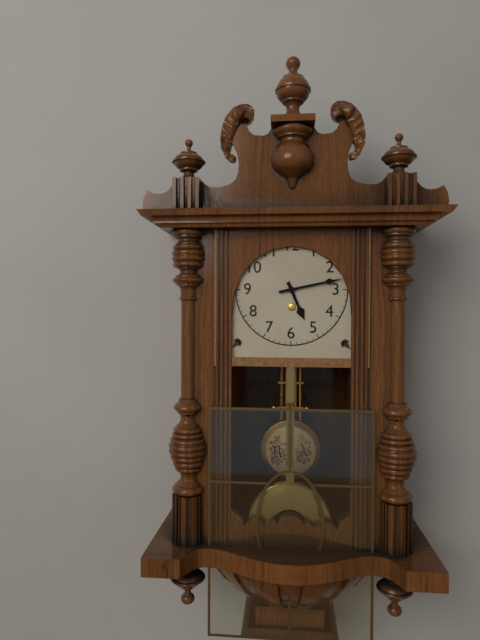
**5:13**
